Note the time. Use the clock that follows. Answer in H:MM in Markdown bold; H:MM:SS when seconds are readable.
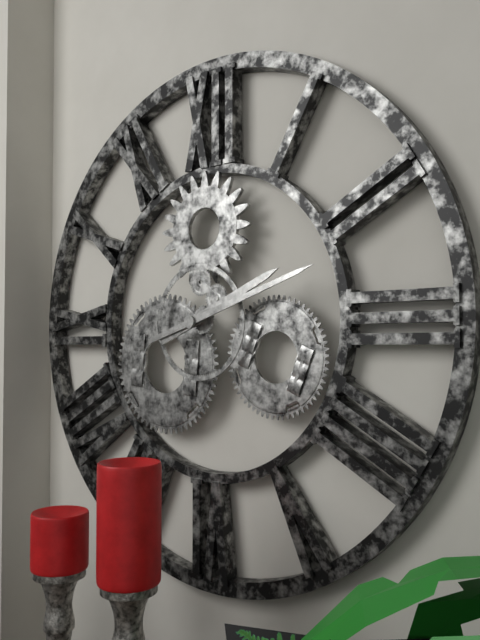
**2:12**
